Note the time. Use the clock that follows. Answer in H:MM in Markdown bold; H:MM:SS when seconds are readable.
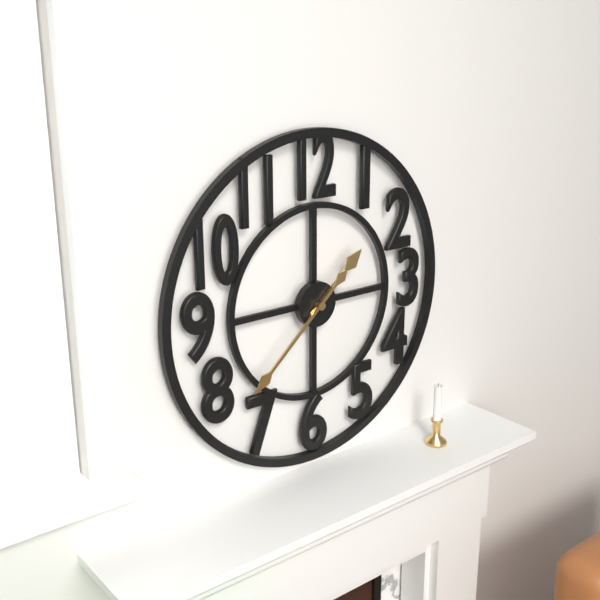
**1:38**
